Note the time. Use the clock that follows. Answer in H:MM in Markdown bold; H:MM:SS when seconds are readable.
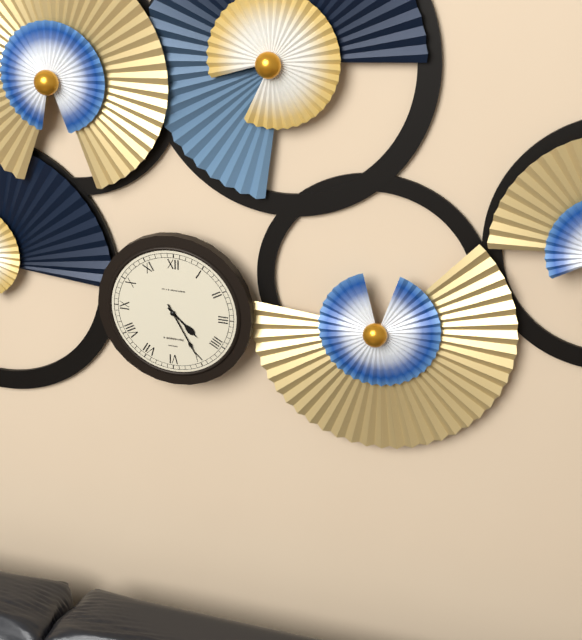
**4:25**
